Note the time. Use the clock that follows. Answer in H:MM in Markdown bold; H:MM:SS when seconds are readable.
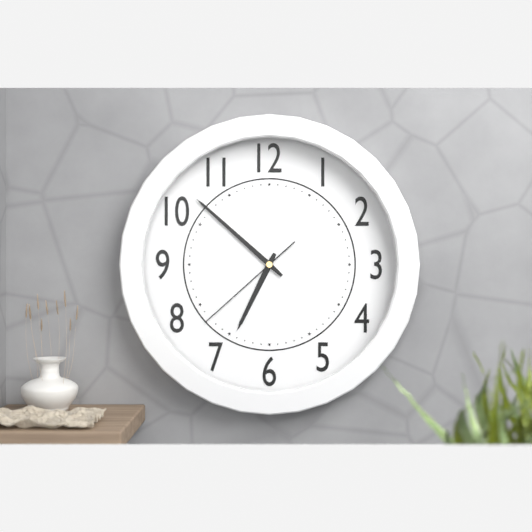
**6:52:38**
